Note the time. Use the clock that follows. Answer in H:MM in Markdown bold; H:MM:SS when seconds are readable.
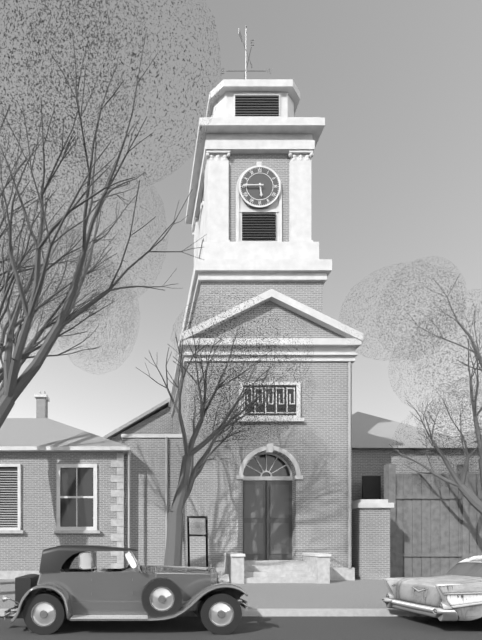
**5:45**
